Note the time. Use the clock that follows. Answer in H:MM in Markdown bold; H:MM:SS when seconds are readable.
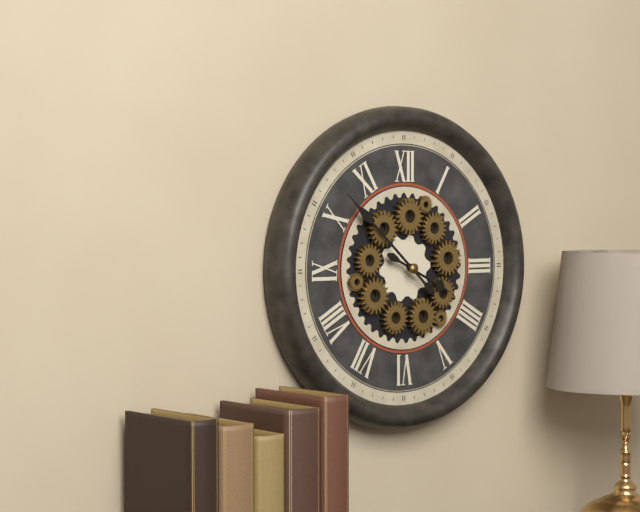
**3:52**
